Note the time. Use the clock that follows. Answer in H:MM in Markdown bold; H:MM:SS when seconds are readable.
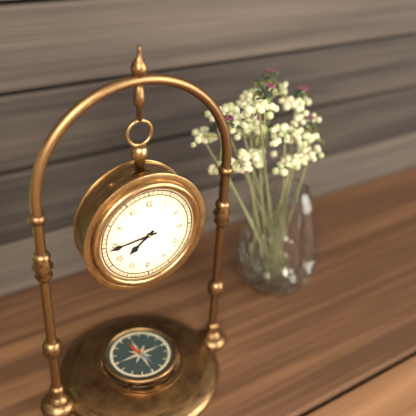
**7:44**
